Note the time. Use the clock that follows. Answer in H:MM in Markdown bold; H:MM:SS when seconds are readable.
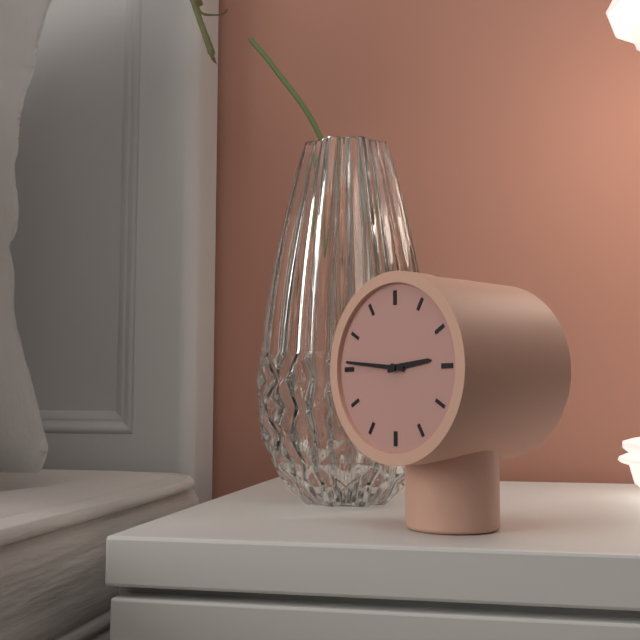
**2:46**
